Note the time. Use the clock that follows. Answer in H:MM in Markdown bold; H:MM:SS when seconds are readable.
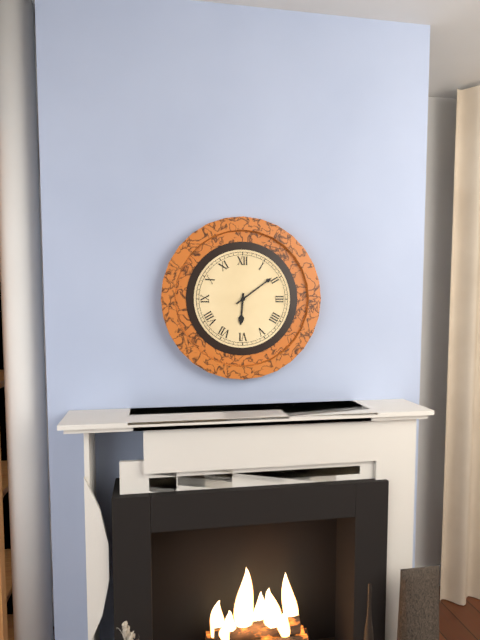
**6:09**
